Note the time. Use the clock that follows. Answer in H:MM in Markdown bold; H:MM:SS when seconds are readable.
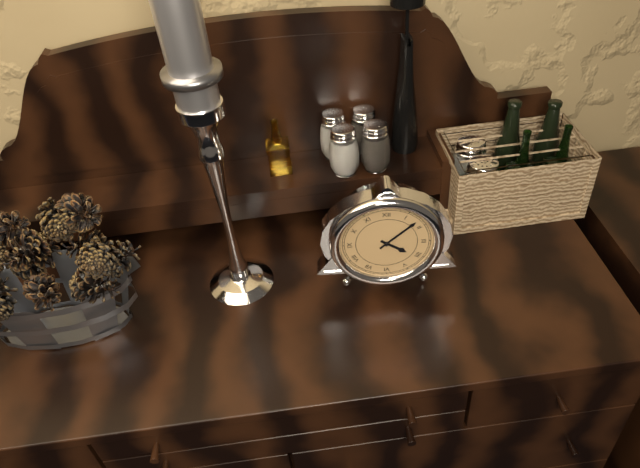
**4:08**
